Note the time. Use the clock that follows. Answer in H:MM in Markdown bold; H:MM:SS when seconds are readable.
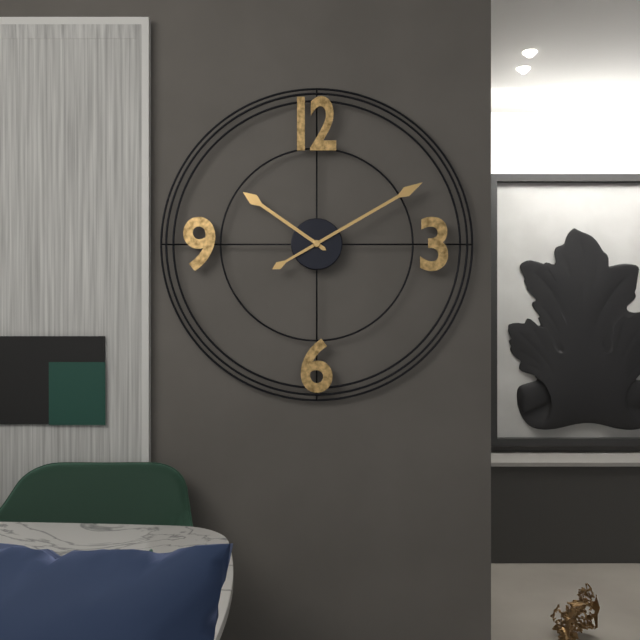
**10:10**
